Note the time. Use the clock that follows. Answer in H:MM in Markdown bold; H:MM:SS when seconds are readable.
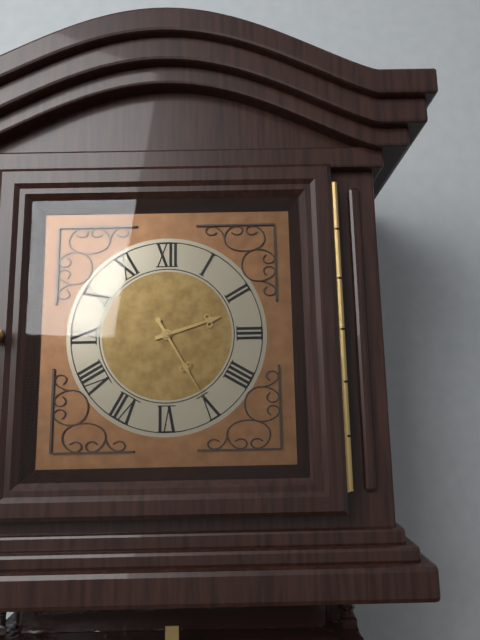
**2:25**
